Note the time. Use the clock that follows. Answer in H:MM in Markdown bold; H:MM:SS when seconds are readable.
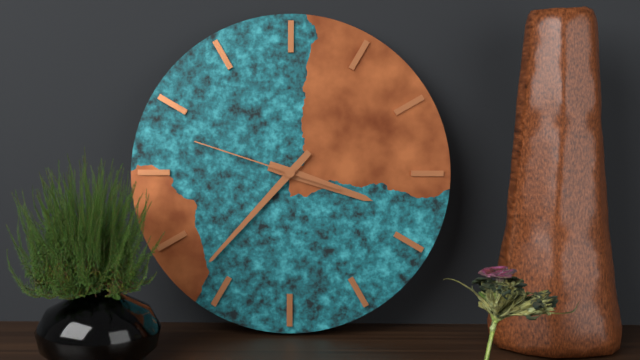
**3:37:48**
